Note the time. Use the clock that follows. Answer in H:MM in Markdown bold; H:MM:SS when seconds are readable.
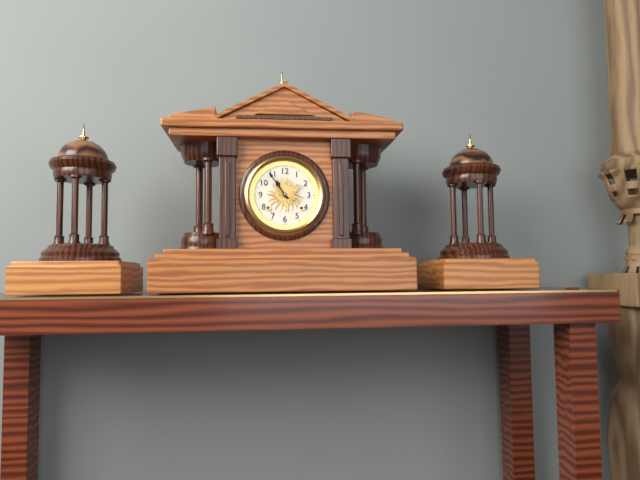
**10:54**
